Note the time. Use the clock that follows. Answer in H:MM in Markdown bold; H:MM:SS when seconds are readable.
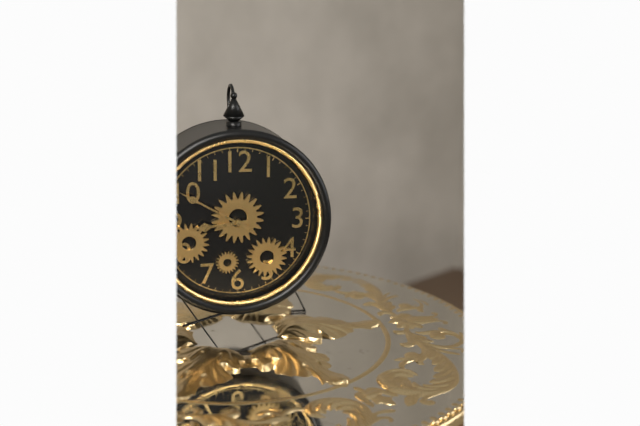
**8:50**
